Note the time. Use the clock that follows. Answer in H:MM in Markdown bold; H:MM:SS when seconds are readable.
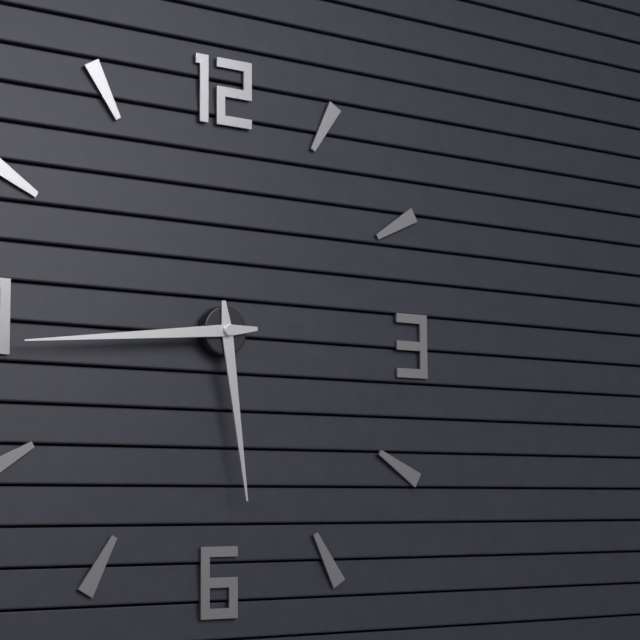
**5:44**
